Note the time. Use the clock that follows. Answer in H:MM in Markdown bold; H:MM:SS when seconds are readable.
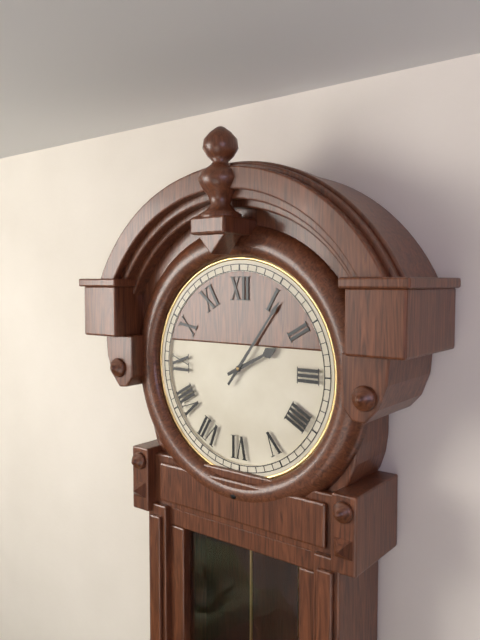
**2:06**
